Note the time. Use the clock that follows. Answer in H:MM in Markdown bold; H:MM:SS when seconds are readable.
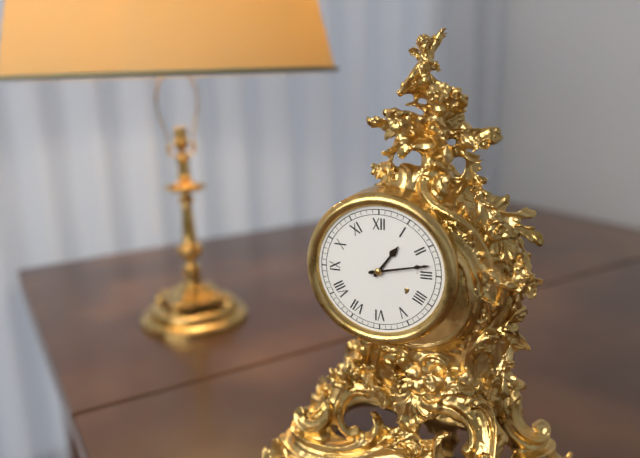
**1:13**
